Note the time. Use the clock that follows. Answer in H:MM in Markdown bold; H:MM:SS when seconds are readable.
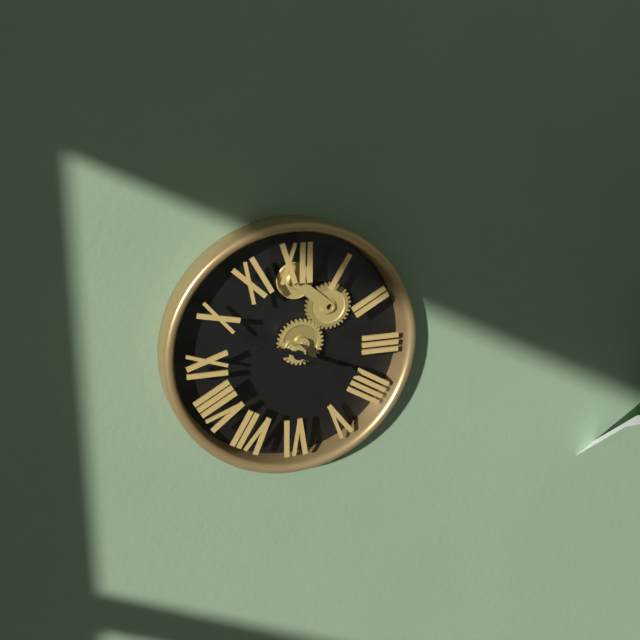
**9:19**
